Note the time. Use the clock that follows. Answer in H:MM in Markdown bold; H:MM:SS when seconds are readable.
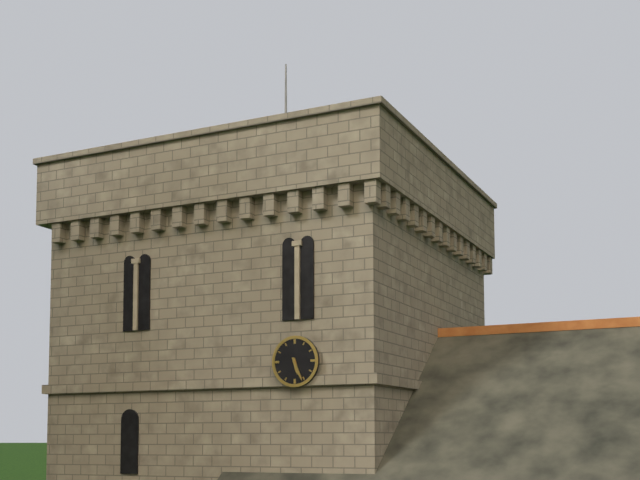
**5:26**
